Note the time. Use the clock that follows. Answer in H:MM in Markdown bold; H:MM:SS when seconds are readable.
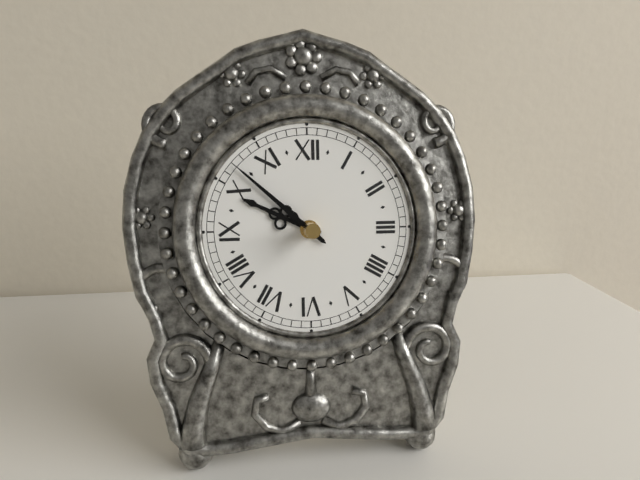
**9:52**
